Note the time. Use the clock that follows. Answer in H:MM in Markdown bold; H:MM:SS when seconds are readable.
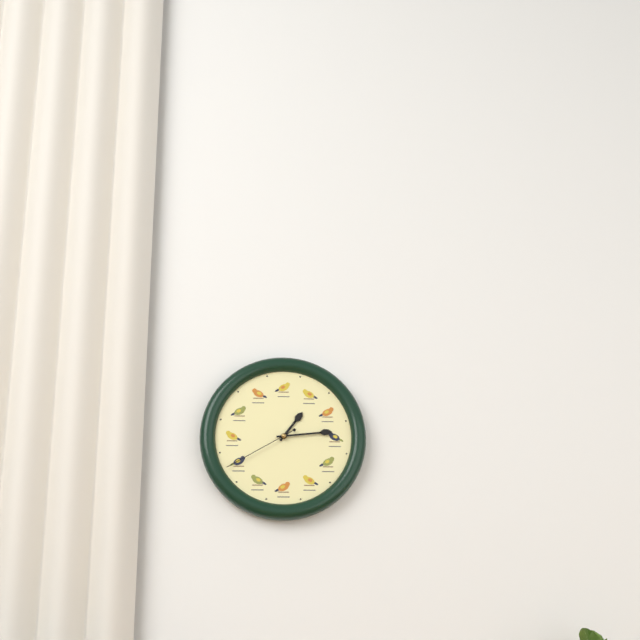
**1:14:40**
